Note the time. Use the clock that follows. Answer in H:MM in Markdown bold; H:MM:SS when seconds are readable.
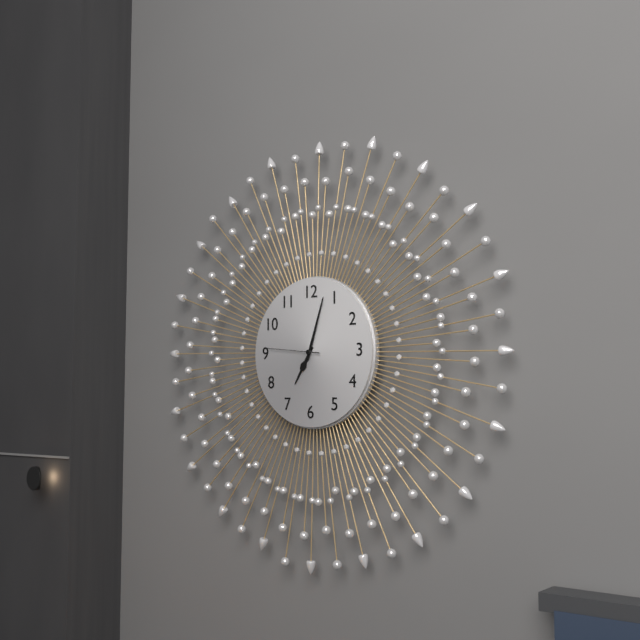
**7:03:46**
